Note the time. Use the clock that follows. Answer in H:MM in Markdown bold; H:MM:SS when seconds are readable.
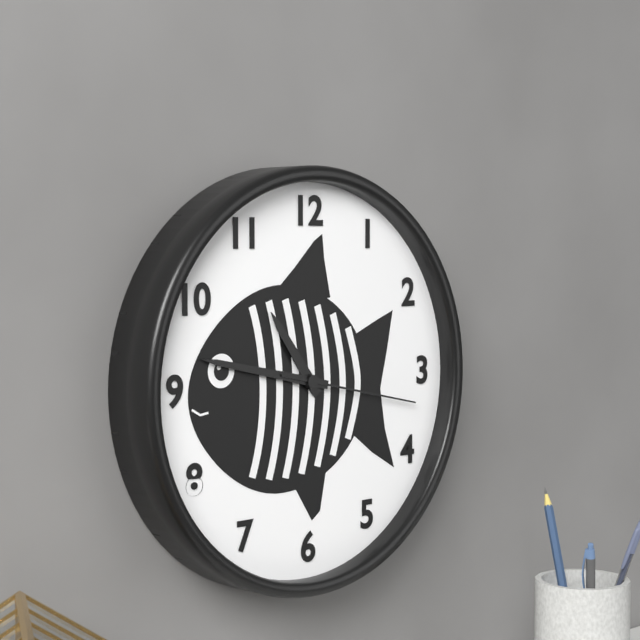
**10:47:17**
